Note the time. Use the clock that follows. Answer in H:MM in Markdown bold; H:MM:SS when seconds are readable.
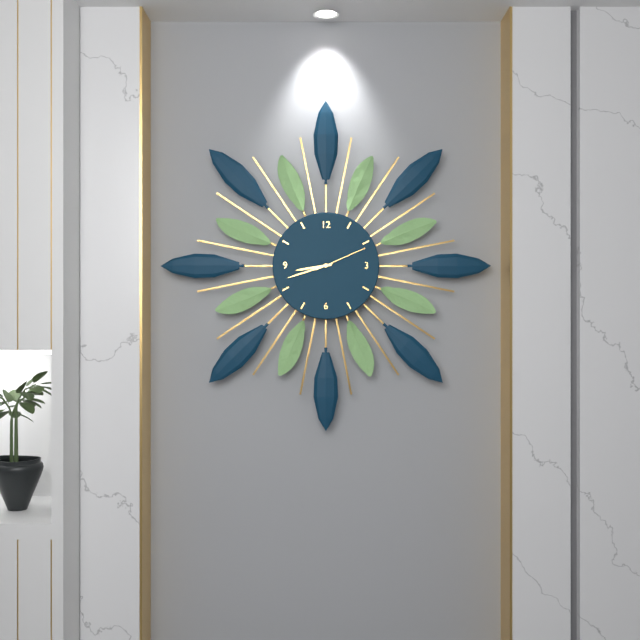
**8:42:11**
